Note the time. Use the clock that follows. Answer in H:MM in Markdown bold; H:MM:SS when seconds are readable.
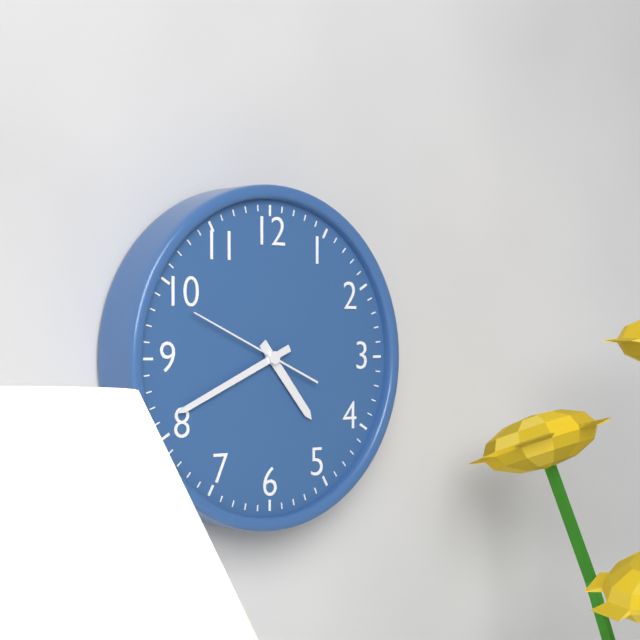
**4:41:49**
